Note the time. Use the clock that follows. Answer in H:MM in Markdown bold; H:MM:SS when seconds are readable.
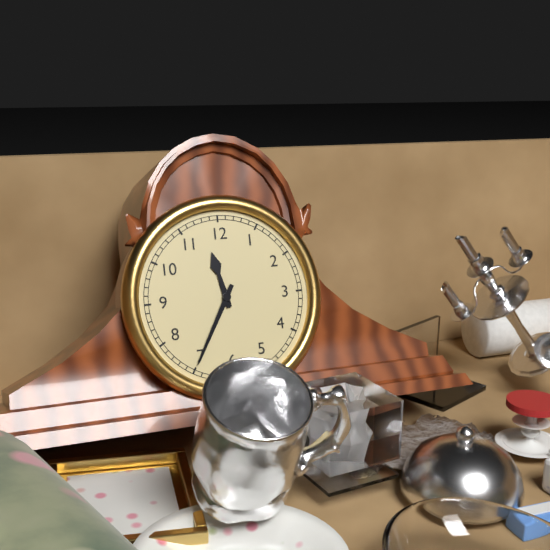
**11:35**
